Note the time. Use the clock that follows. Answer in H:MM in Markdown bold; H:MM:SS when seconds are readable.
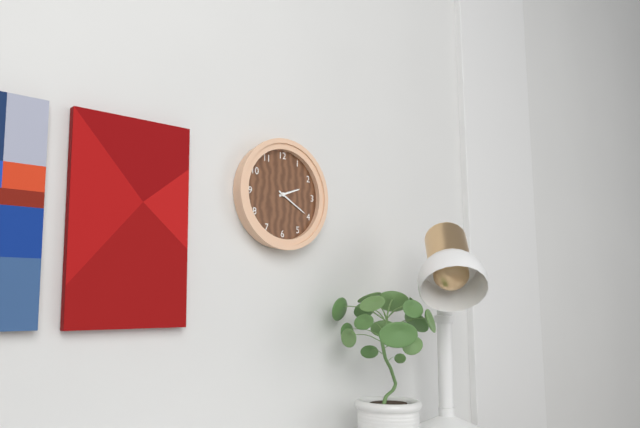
**2:20**
